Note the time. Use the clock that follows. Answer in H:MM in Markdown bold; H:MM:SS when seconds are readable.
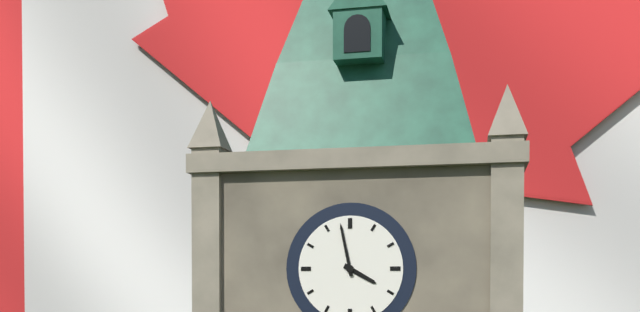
**3:58**
